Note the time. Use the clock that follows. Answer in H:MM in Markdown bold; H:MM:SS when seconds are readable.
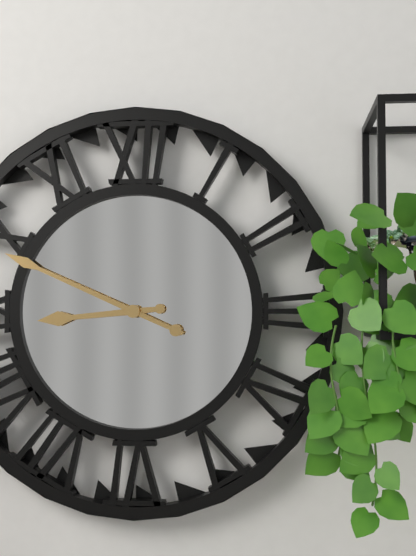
**8:49**
